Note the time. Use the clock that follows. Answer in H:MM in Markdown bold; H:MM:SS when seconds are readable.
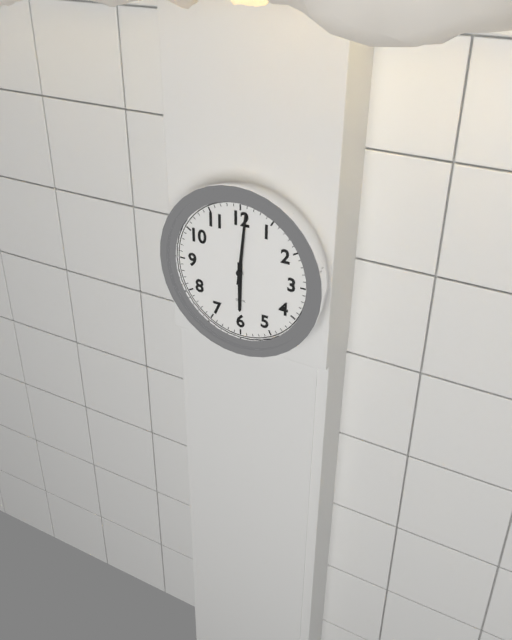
**6:01**
